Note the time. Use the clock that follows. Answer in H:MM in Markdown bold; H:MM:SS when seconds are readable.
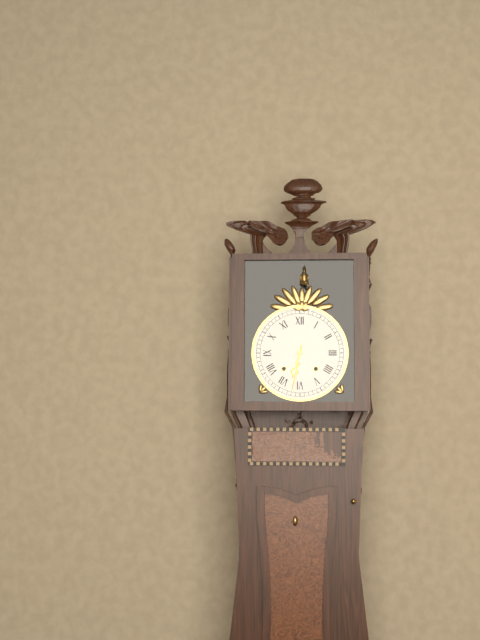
**6:32**
